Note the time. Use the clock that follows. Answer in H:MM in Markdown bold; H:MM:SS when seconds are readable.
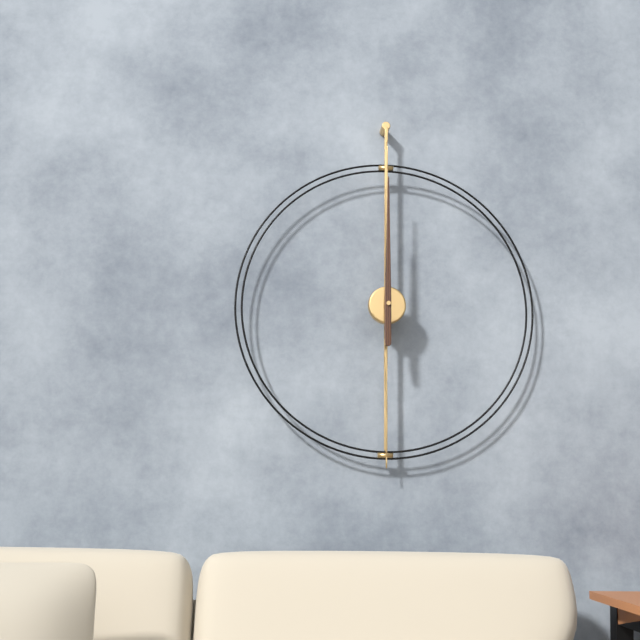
**12:00**
